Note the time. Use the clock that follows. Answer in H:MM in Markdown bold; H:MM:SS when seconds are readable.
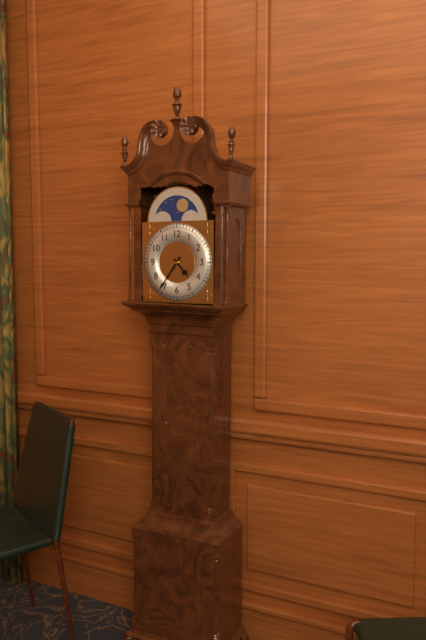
**4:36**
